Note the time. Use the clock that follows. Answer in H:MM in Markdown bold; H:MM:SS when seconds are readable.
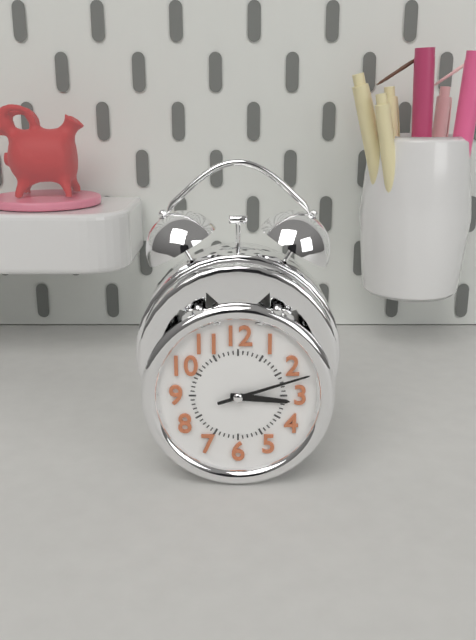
**3:12**
